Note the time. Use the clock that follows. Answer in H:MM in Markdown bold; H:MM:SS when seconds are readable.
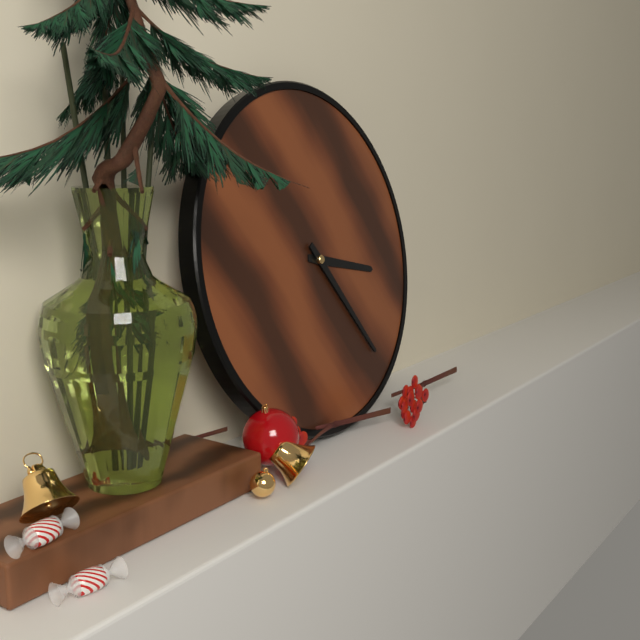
**3:24**
